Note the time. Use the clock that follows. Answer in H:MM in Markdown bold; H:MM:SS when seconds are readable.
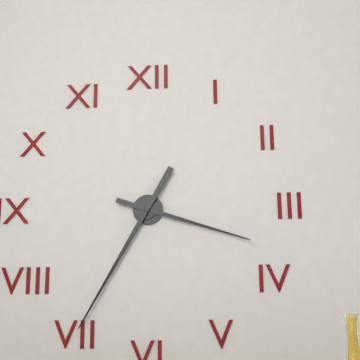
**3:35**
